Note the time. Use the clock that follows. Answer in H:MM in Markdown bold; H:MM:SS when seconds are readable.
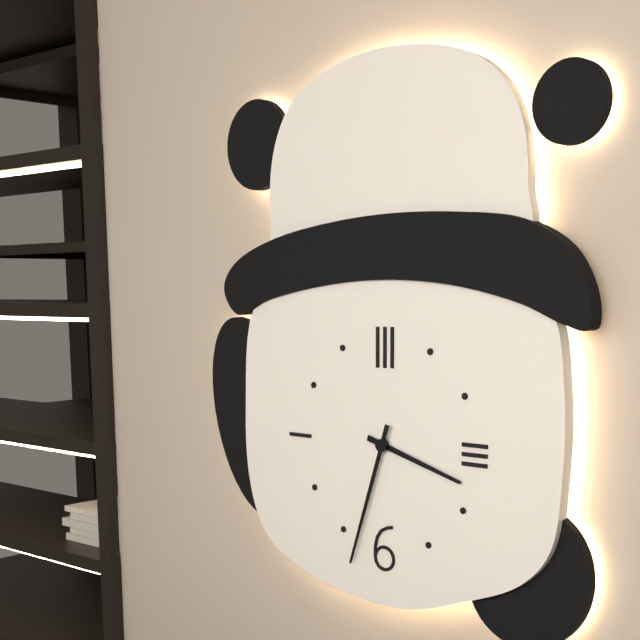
**3:33**
